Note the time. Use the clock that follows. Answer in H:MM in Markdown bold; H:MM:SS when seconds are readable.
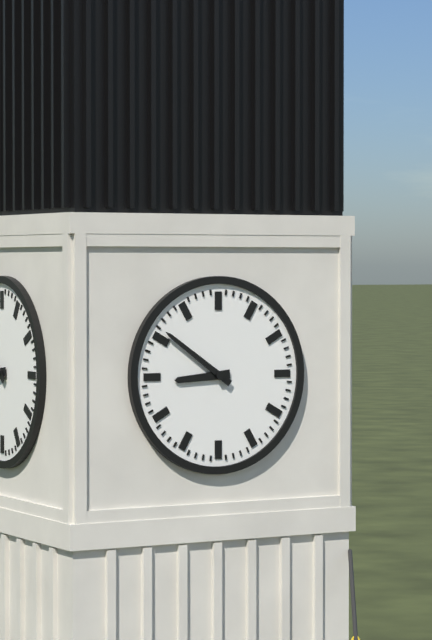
**8:51**
